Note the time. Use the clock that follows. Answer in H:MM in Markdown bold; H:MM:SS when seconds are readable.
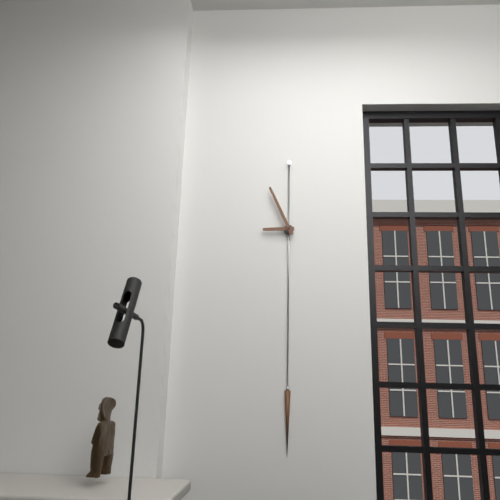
**8:56**
